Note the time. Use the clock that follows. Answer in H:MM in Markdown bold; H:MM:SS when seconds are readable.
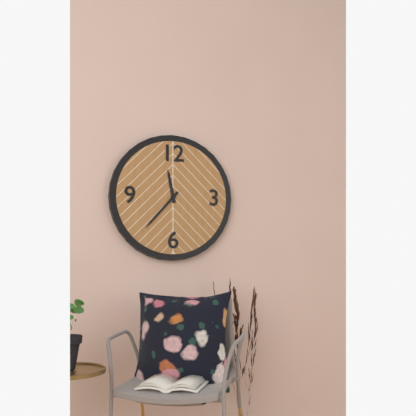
**11:37**
